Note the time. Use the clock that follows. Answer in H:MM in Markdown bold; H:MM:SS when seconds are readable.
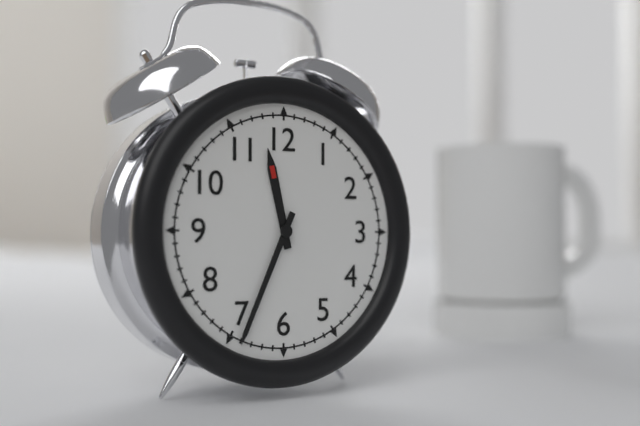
**11:34**
